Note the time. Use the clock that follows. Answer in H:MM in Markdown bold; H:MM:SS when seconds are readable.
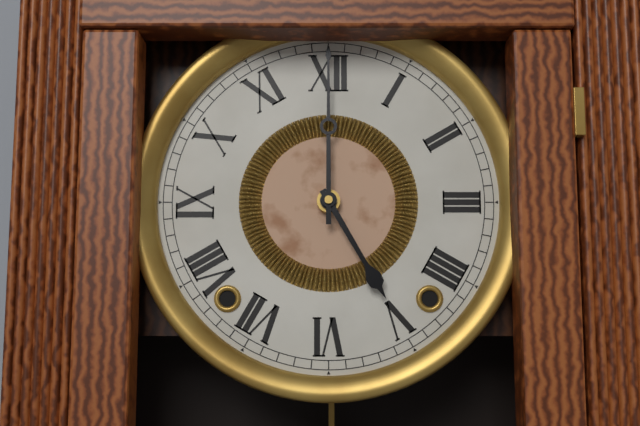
**5:00**
